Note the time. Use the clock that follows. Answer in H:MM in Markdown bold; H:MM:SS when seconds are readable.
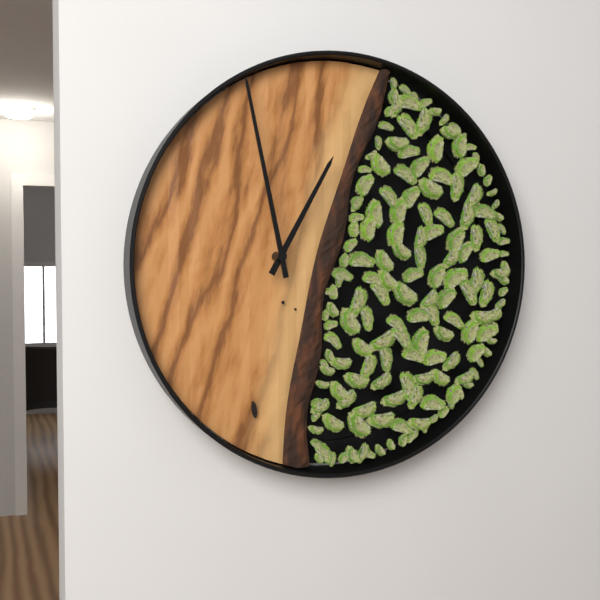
**12:58**
